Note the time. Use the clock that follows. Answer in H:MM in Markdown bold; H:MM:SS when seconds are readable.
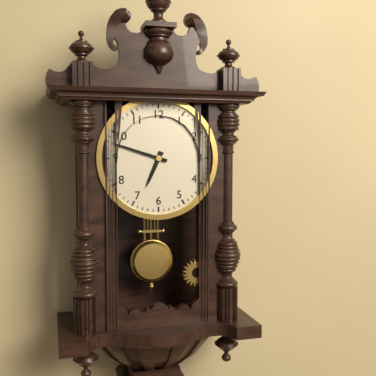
**6:48**
